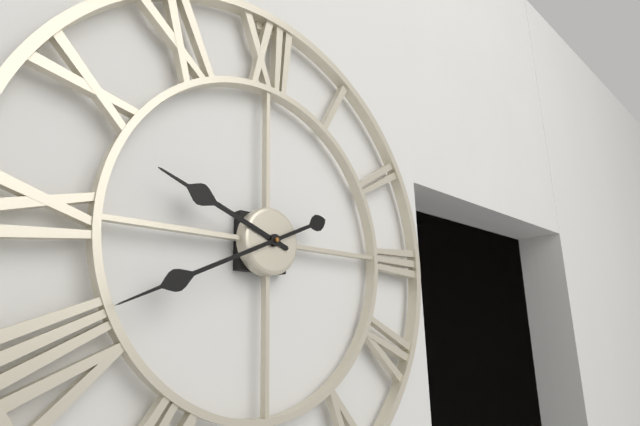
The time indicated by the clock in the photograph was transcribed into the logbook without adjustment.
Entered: 9:41
